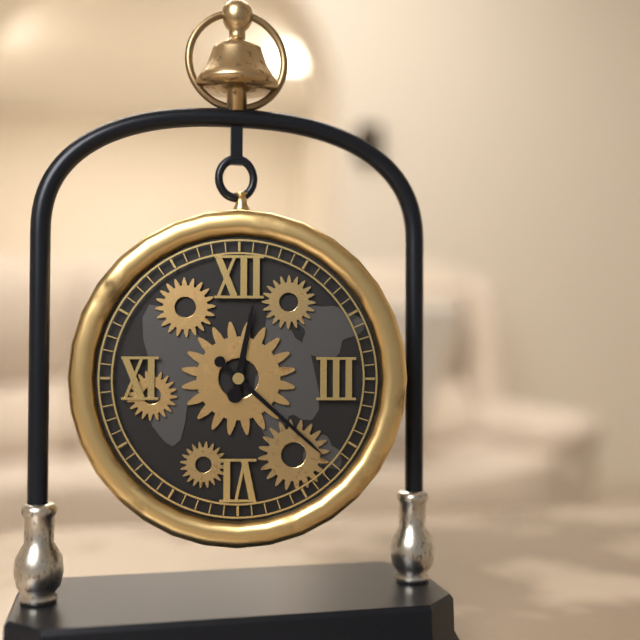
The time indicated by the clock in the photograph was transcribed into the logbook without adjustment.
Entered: 12:22
